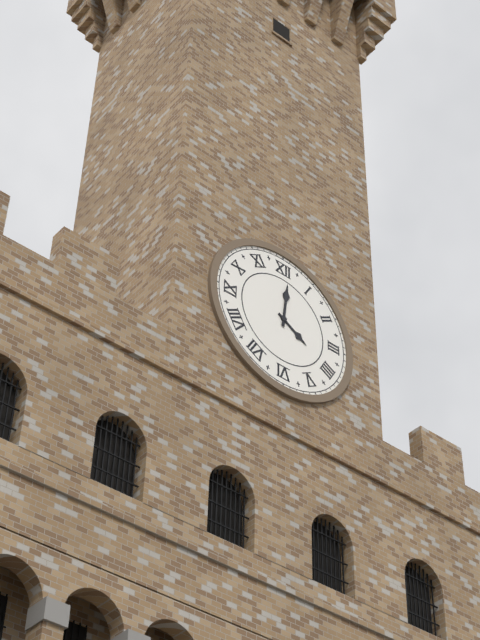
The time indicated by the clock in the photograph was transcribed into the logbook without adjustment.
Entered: 4:01
